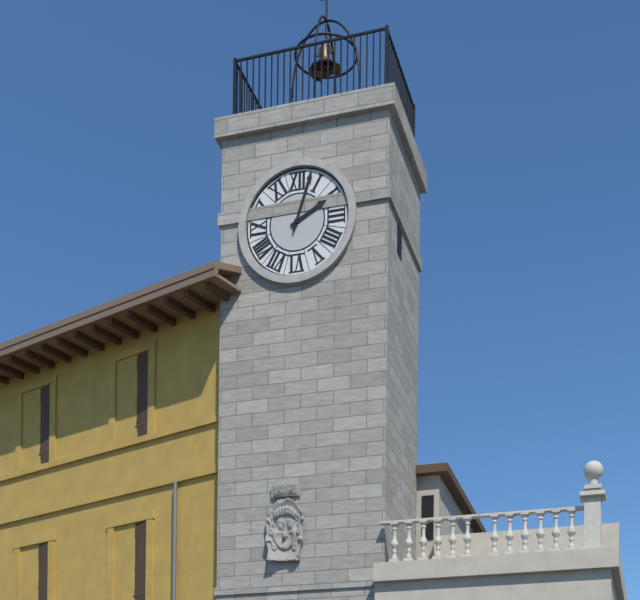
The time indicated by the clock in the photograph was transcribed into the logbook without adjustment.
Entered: 2:03
